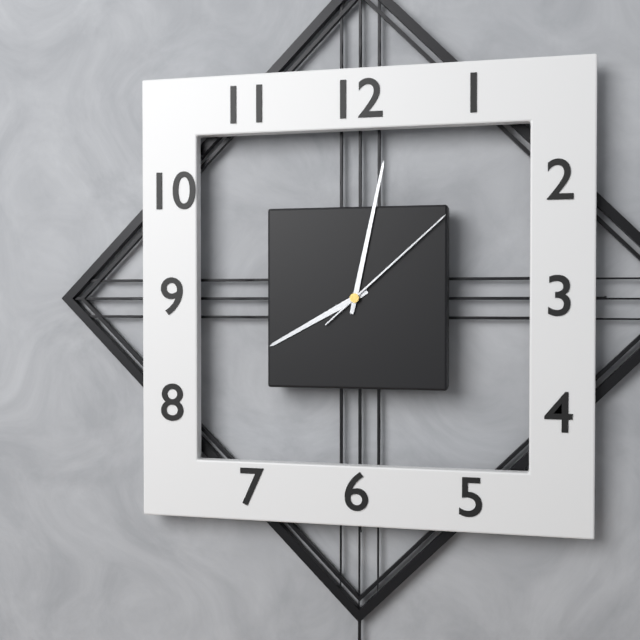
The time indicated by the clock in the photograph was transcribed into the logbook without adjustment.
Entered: 8:02:08
